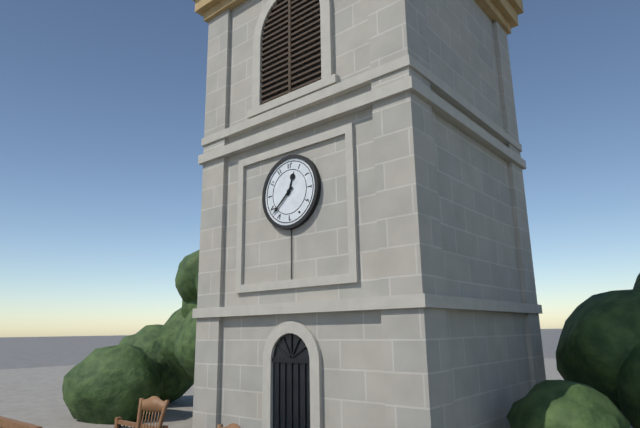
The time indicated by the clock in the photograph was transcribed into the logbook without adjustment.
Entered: 12:38
